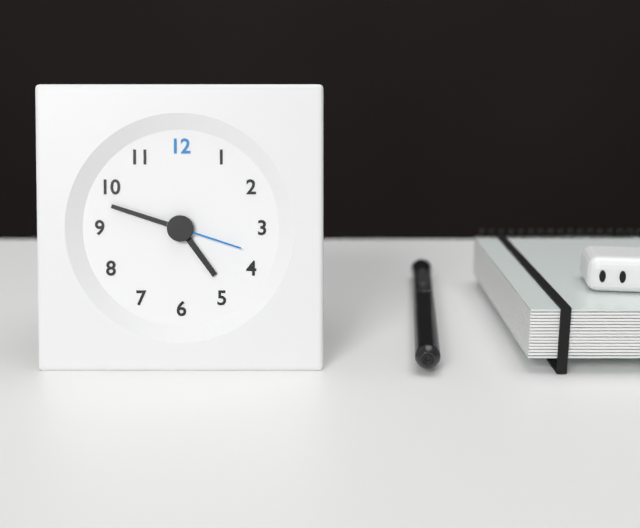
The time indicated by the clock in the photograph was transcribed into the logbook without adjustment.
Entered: 4:48:18
